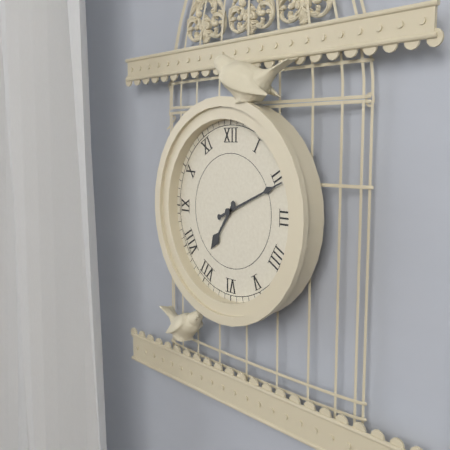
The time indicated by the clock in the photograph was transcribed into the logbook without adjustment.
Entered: 7:11
